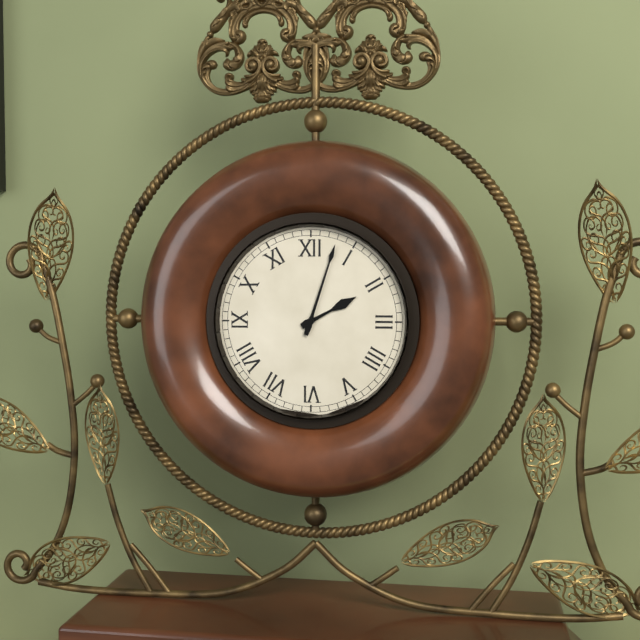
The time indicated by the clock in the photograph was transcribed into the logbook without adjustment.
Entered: 2:03
